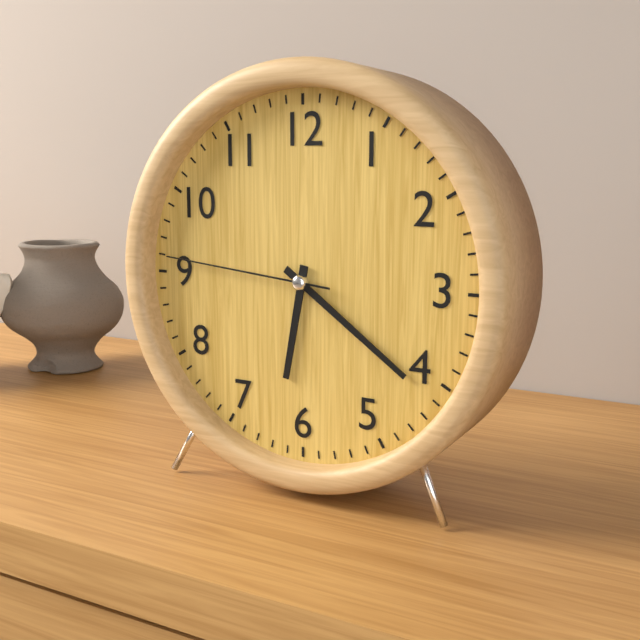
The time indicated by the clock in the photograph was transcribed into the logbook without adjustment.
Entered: 6:21:46
